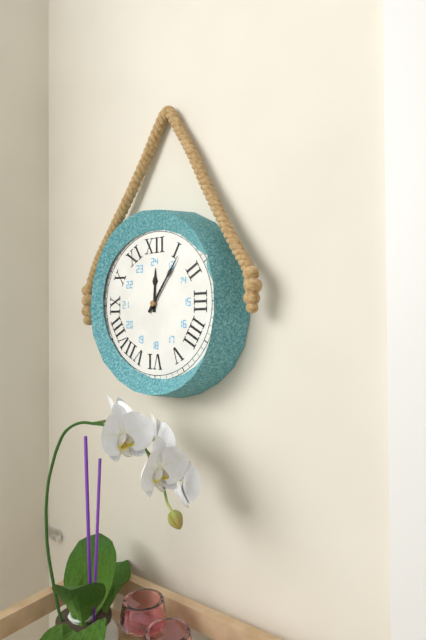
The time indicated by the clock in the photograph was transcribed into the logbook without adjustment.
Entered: 12:06
